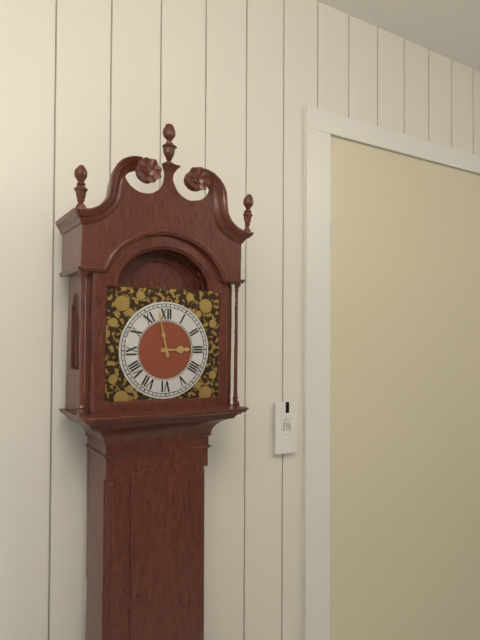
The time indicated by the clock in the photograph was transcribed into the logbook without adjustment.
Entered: 2:58
